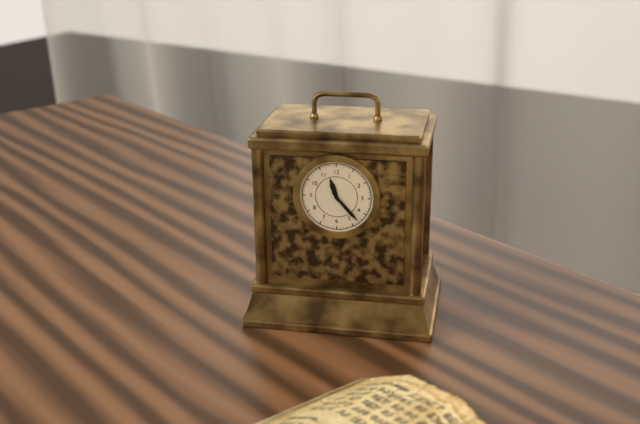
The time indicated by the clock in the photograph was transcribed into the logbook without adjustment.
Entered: 11:23
